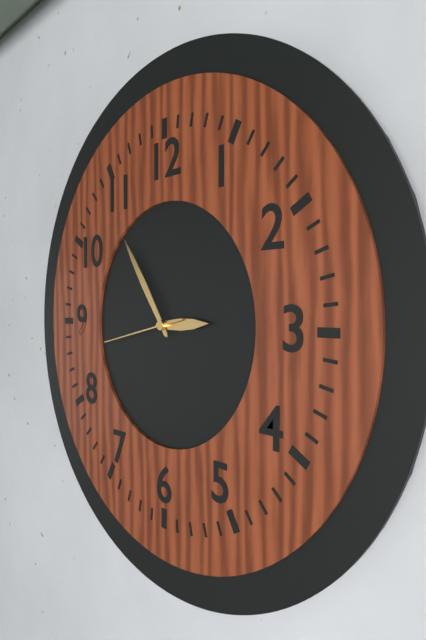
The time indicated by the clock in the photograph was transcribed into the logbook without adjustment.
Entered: 2:54:43
